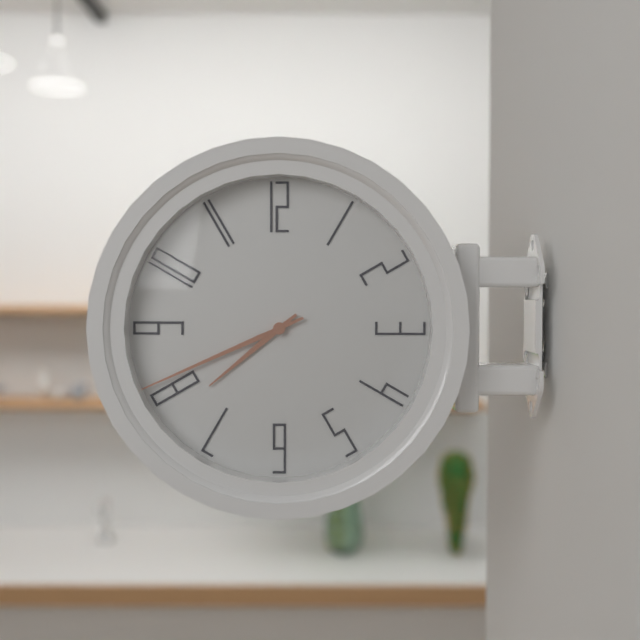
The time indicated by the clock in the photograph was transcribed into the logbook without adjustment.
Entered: 7:41
